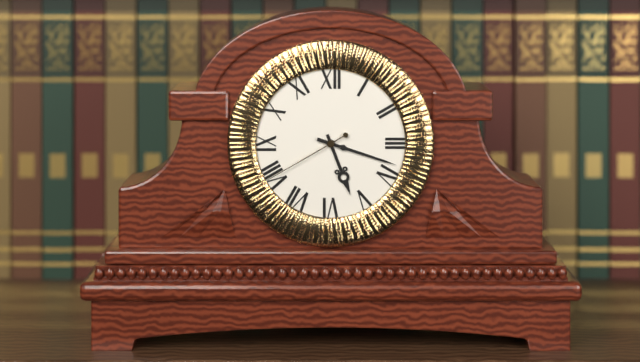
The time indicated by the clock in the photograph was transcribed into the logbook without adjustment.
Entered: 5:18:40
